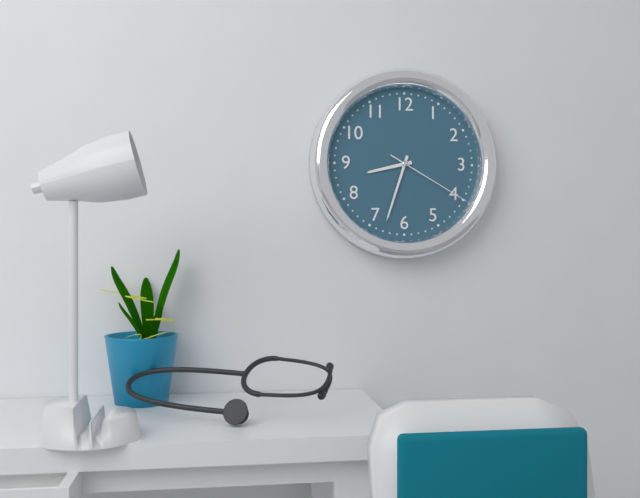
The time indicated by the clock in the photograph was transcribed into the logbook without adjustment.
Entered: 8:33:20
